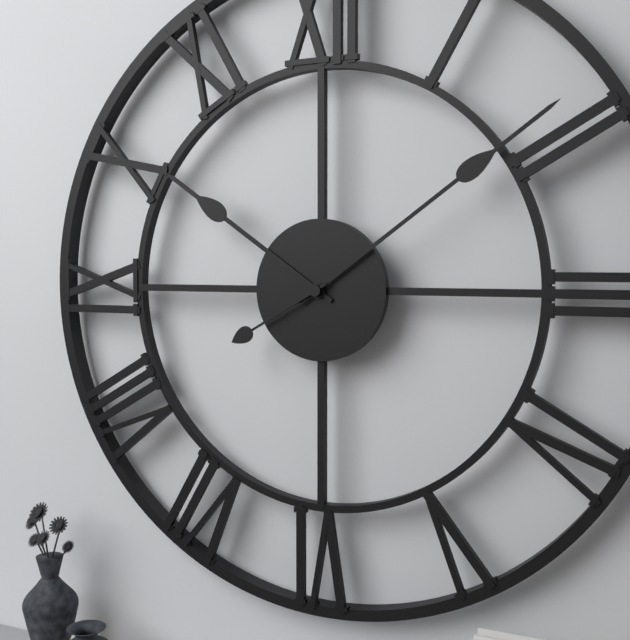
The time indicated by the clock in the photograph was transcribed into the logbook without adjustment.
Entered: 10:09:40
